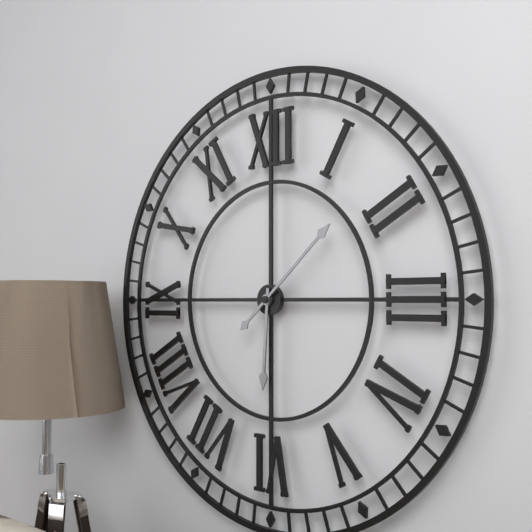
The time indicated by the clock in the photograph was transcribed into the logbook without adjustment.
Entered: 6:08
